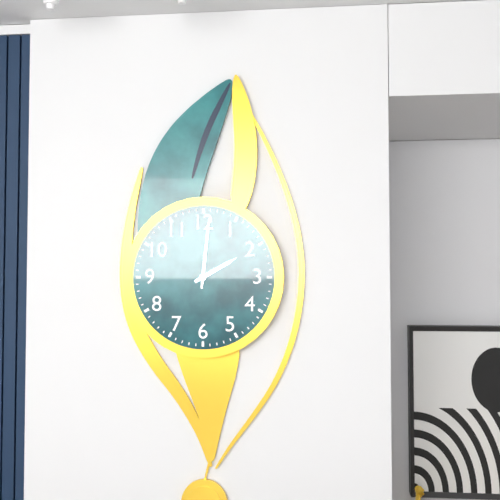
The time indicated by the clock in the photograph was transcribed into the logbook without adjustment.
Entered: 2:01
